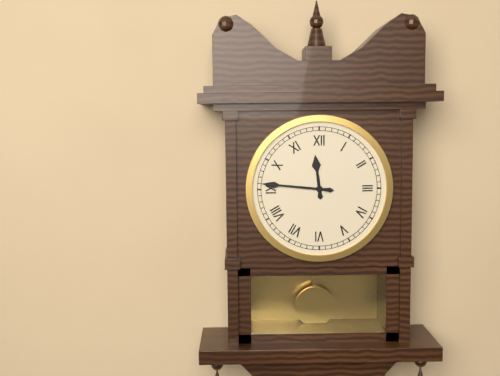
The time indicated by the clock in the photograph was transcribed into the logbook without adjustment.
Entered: 11:46
